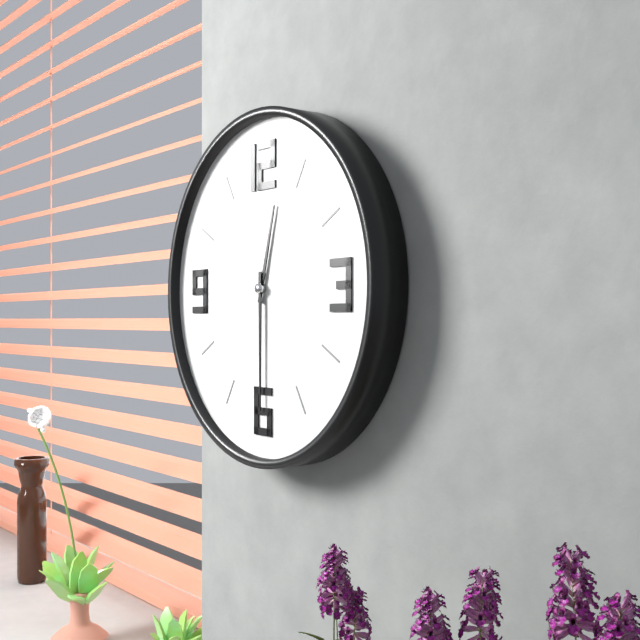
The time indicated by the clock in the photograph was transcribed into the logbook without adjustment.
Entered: 12:30
